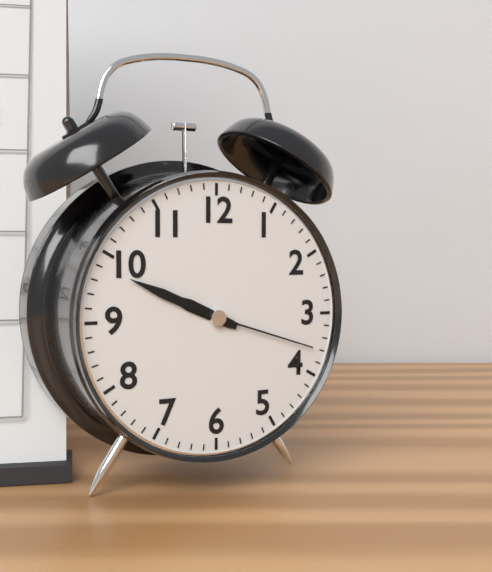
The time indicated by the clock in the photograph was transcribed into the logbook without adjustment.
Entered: 9:49:18
